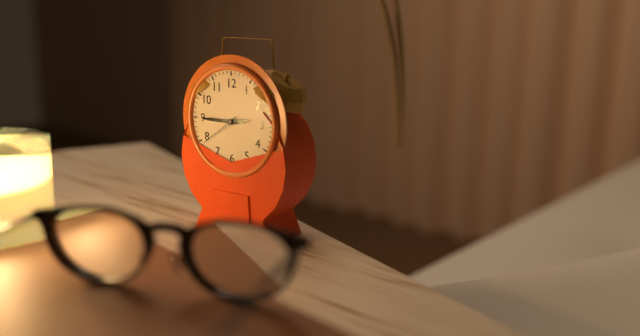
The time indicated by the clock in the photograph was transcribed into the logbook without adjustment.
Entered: 2:45
